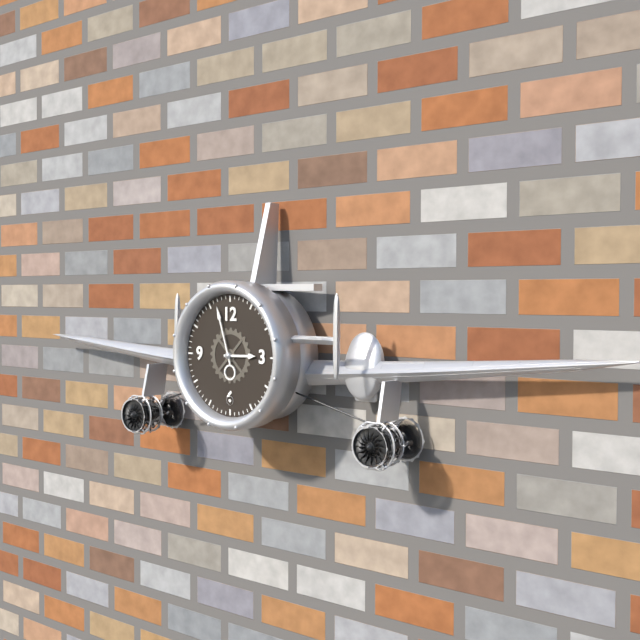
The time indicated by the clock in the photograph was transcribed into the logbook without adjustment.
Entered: 2:57
